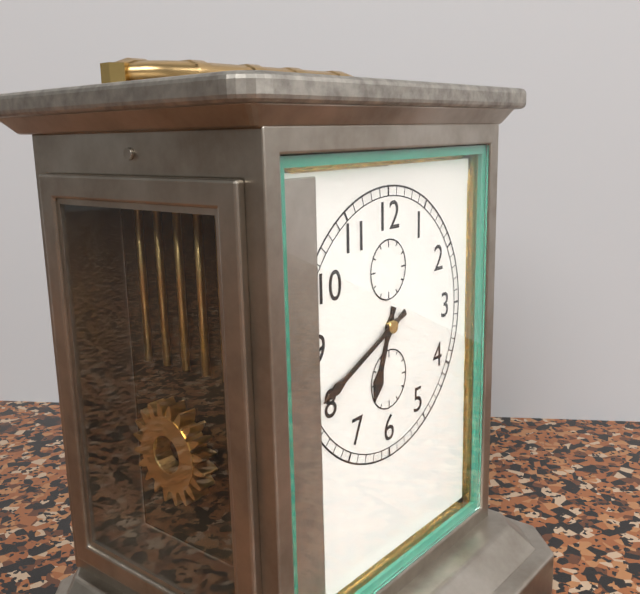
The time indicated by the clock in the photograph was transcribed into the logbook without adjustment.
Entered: 6:41
